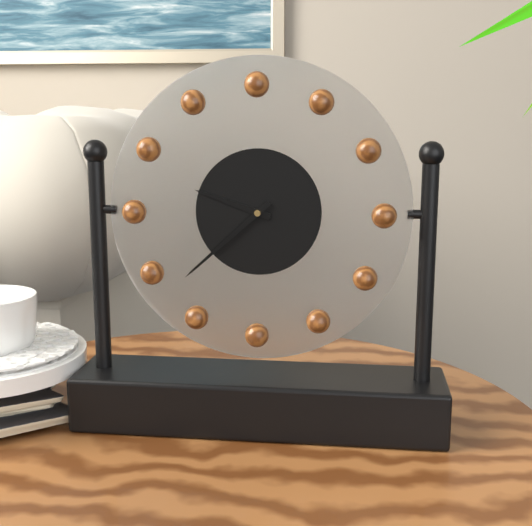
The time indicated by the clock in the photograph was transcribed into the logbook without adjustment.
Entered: 9:38
